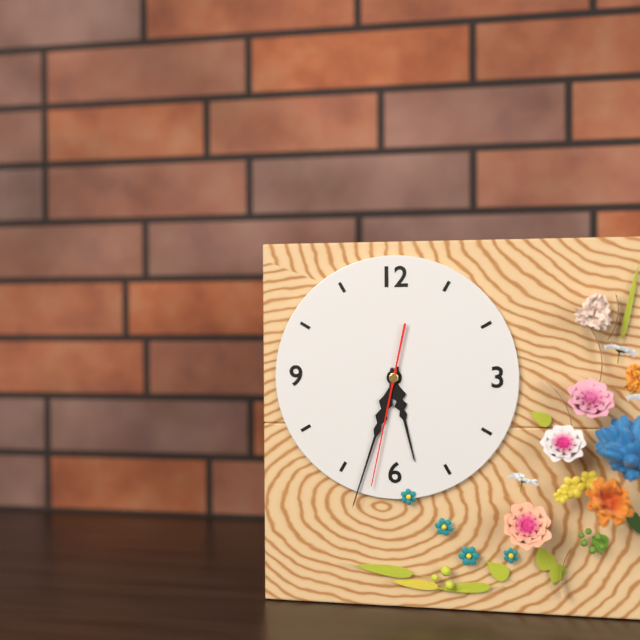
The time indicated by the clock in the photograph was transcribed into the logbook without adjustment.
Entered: 5:33:32
